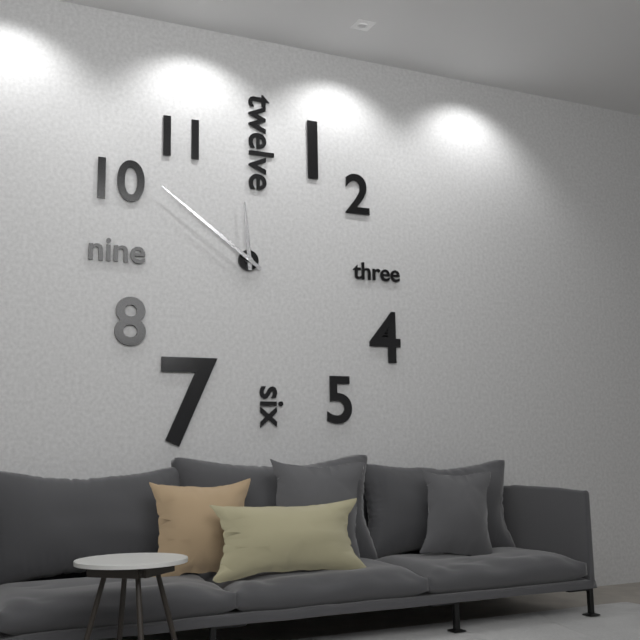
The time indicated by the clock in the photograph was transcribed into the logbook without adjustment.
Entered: 11:51
